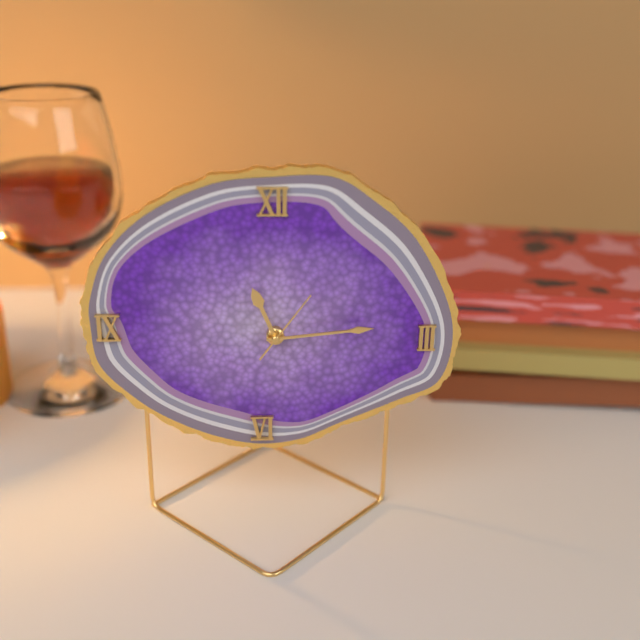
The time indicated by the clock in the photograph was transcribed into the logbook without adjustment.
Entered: 11:14:06
